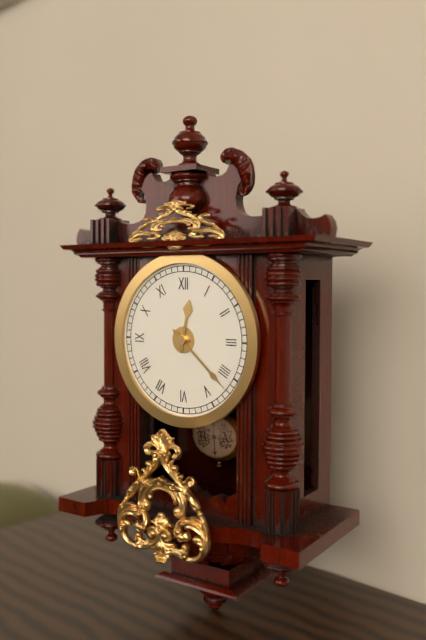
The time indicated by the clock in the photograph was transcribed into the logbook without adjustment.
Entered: 12:22
